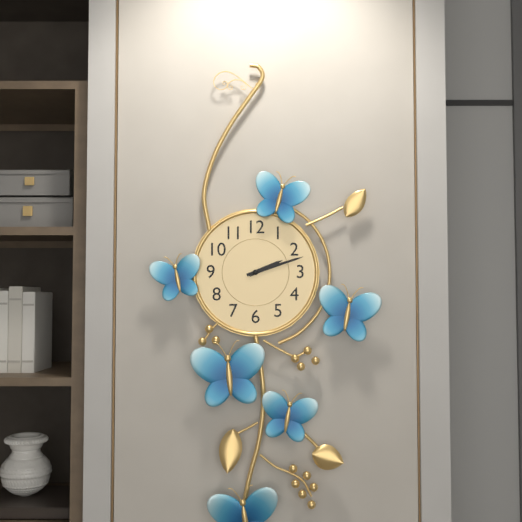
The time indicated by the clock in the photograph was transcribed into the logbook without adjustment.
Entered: 2:12
